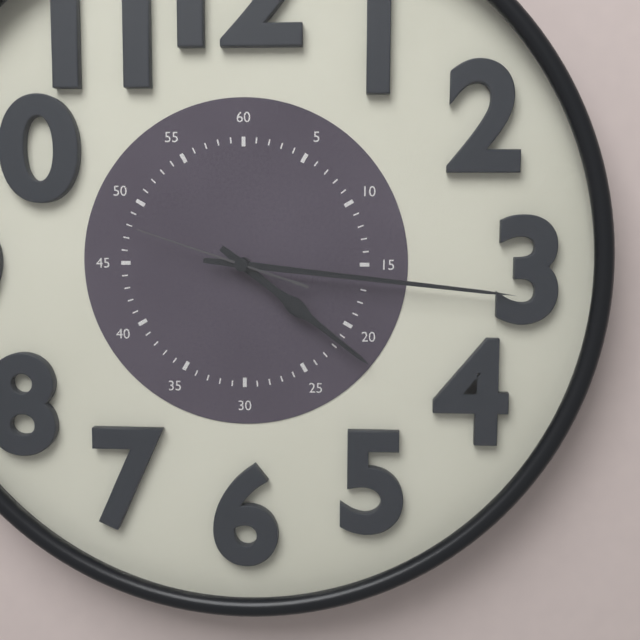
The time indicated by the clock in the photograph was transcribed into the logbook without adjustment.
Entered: 4:16:48
